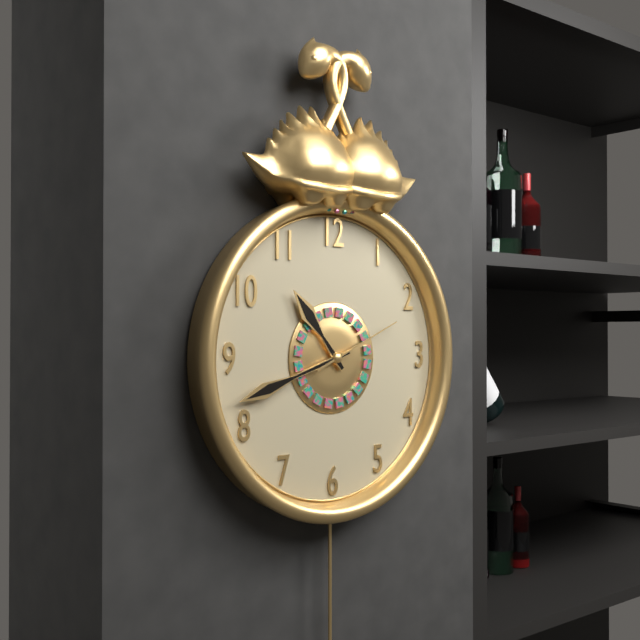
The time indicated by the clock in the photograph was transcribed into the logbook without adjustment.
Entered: 10:42:11
